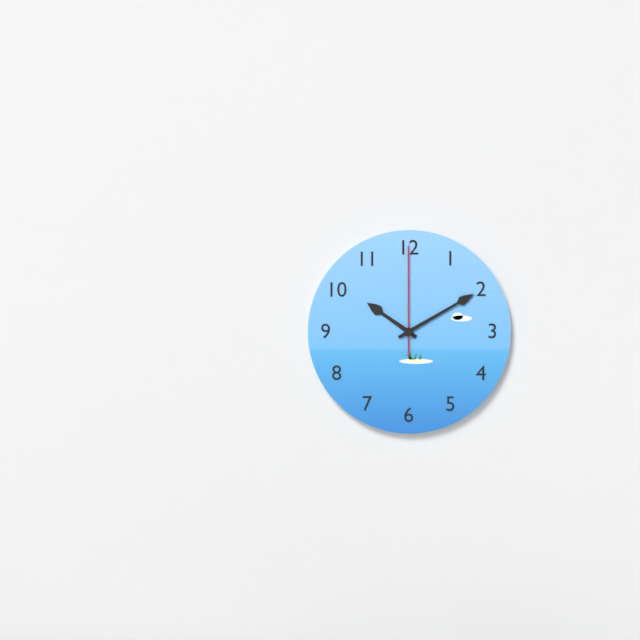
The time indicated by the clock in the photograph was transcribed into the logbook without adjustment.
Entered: 10:10:00
